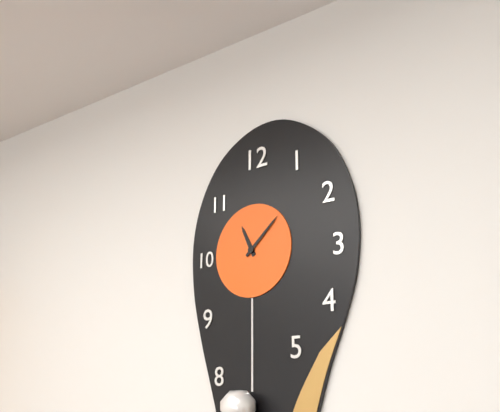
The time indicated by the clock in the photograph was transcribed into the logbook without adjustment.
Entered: 11:08
